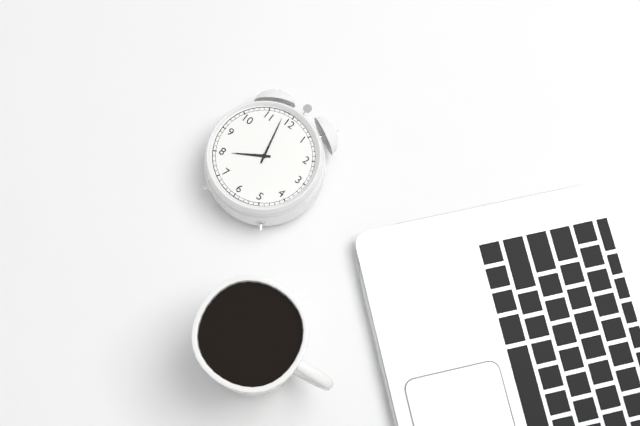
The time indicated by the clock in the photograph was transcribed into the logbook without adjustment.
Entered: 7:58
